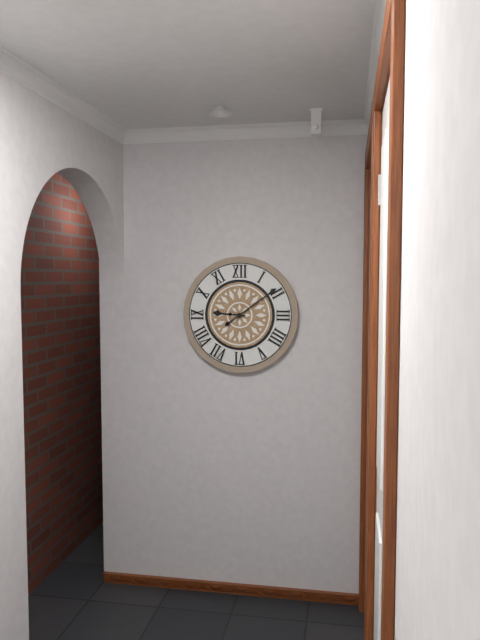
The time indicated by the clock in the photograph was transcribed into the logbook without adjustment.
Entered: 9:09
